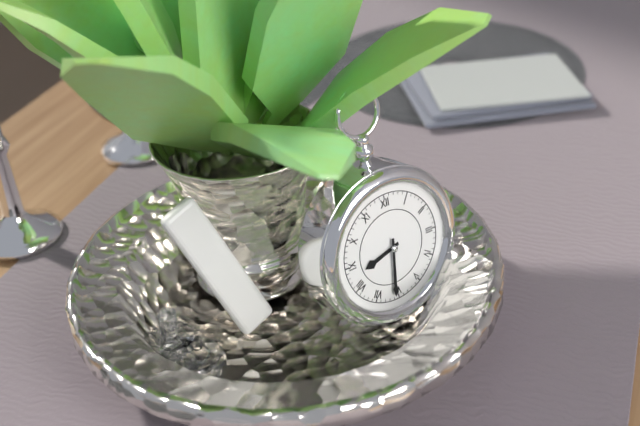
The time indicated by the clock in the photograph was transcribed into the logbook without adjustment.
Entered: 8:31
